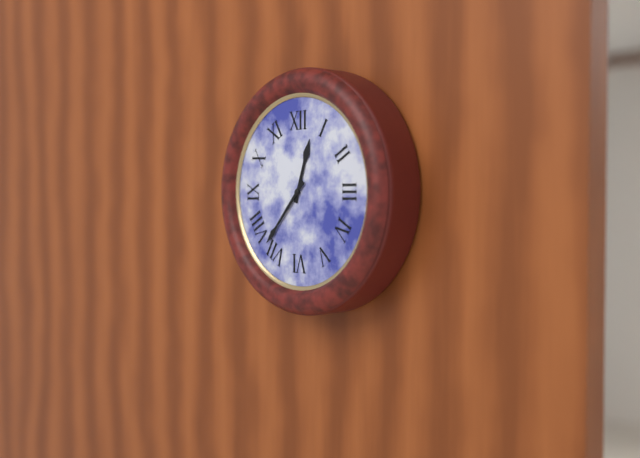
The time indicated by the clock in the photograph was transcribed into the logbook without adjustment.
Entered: 12:37
